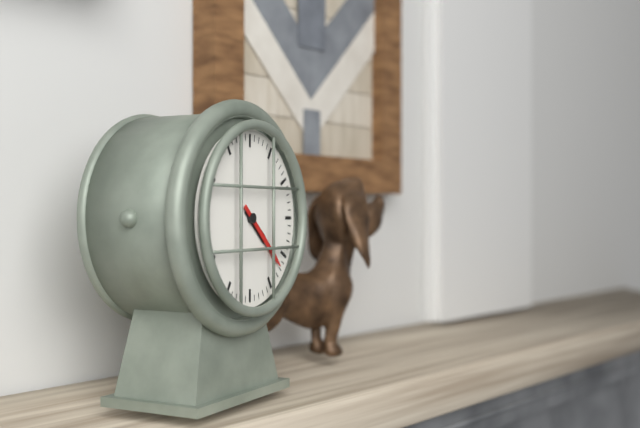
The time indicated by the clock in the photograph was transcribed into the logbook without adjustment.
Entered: 4:22
